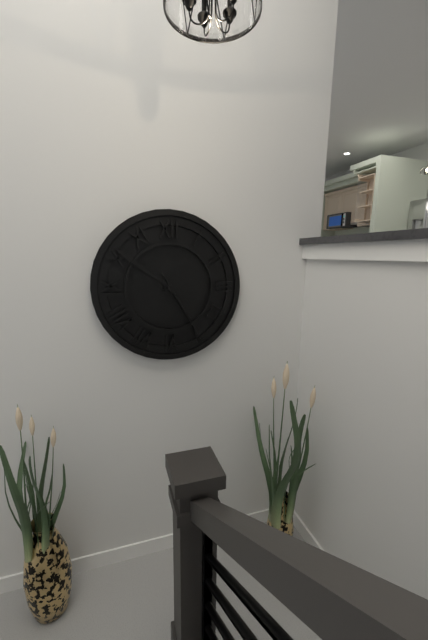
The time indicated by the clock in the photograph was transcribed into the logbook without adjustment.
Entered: 4:51:25
